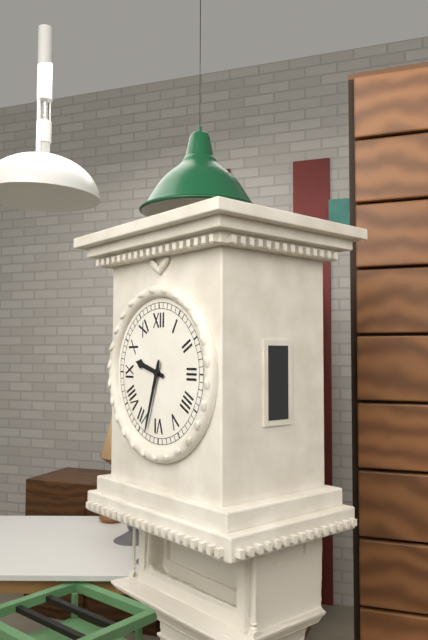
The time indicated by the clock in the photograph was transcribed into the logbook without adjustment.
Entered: 9:33
